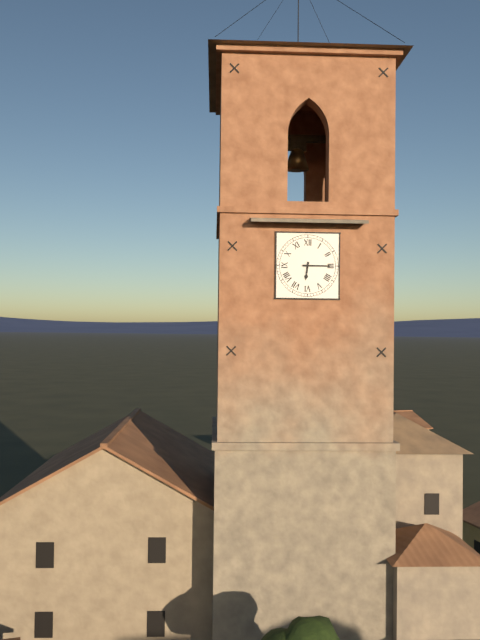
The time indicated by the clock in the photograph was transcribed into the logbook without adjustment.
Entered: 6:15
